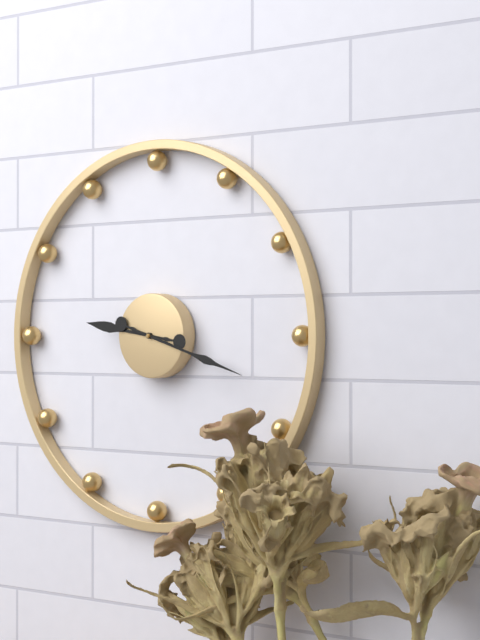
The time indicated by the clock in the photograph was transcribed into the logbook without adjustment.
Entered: 9:18
